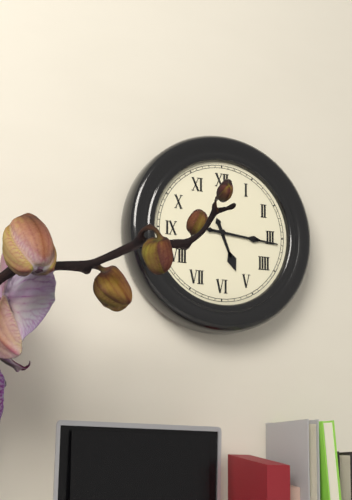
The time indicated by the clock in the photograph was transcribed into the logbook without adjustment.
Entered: 5:16
